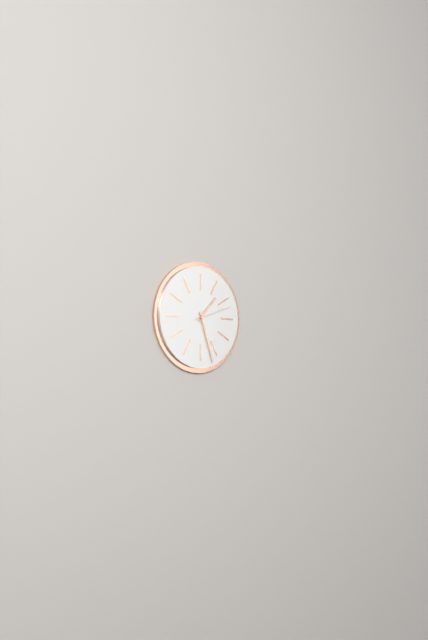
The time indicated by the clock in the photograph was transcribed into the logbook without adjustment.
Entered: 1:27
